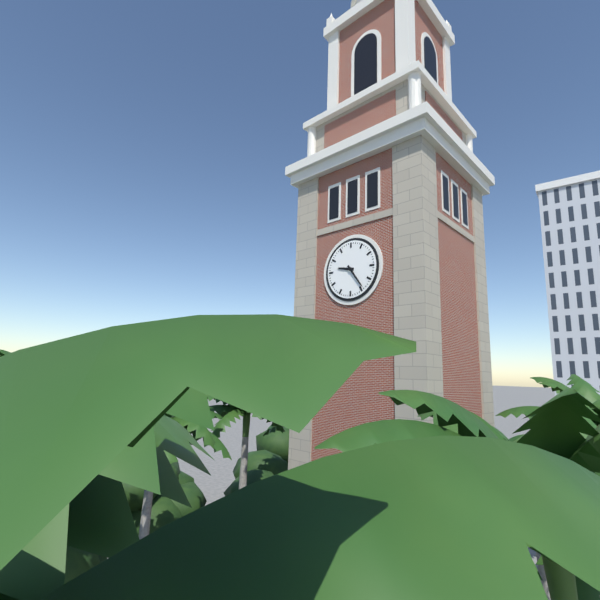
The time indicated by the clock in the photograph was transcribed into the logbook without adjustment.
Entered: 9:24
